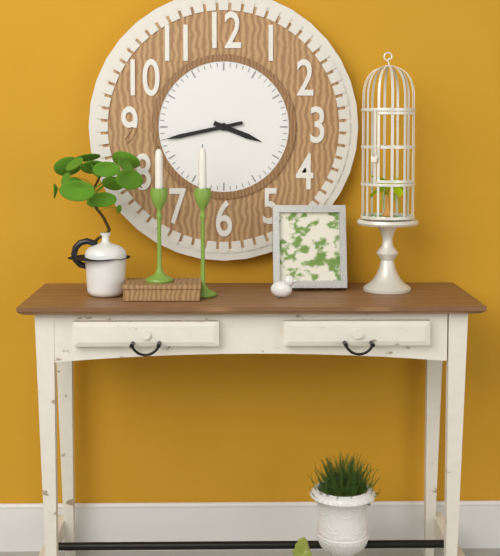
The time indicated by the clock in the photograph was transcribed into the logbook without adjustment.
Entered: 3:43
